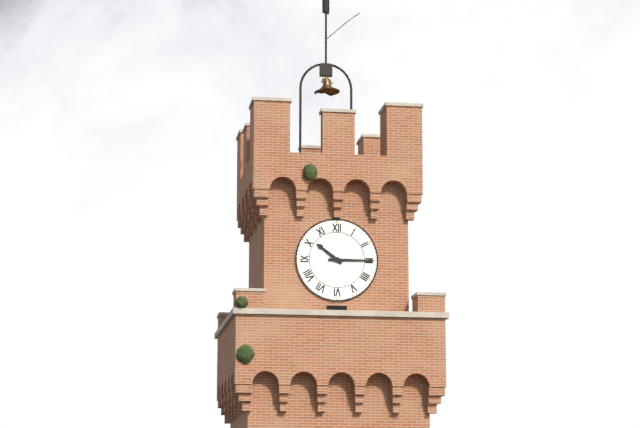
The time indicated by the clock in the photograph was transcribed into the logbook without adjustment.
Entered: 10:15
